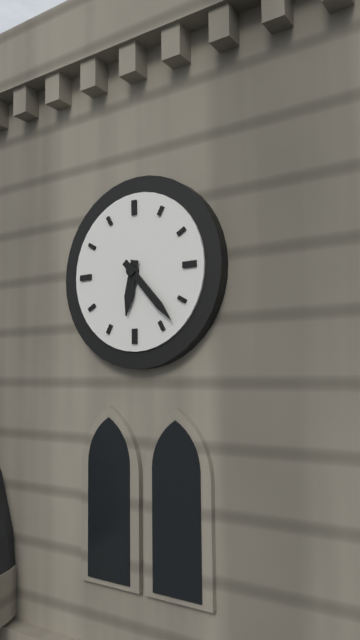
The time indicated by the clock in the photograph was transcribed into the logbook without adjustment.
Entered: 6:23
